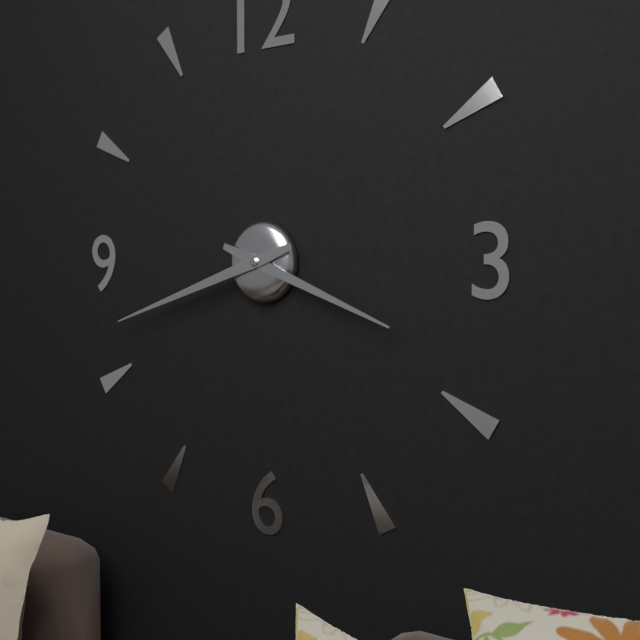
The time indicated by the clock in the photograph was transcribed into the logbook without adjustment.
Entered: 3:42
